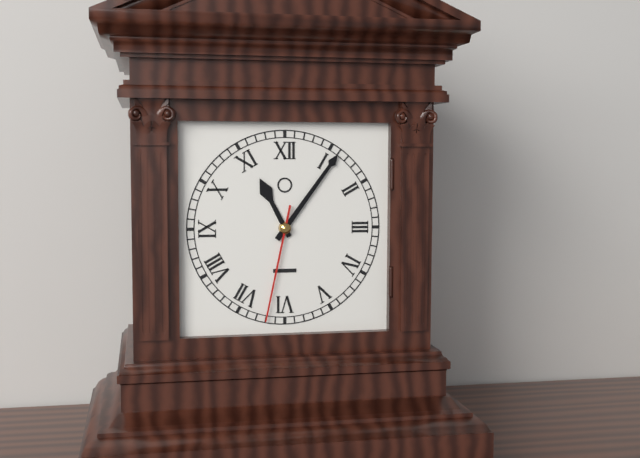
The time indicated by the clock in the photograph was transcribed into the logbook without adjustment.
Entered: 11:06:32
